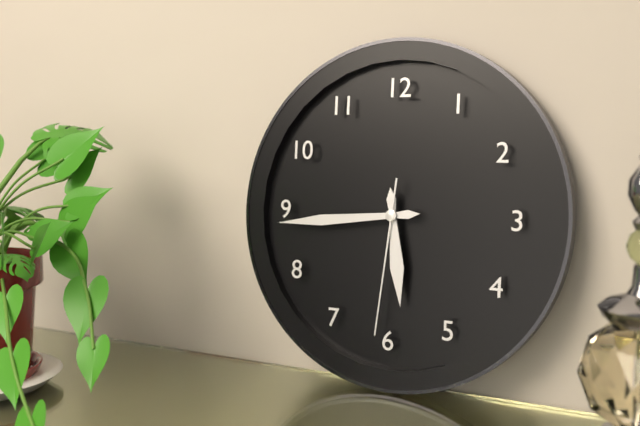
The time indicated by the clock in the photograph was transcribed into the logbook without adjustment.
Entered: 5:44:31
